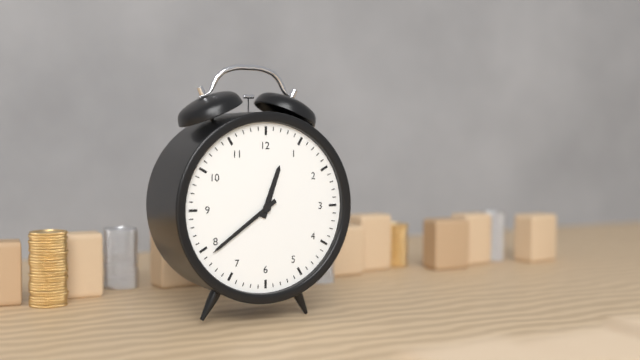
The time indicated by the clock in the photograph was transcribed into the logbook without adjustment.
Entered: 12:39
